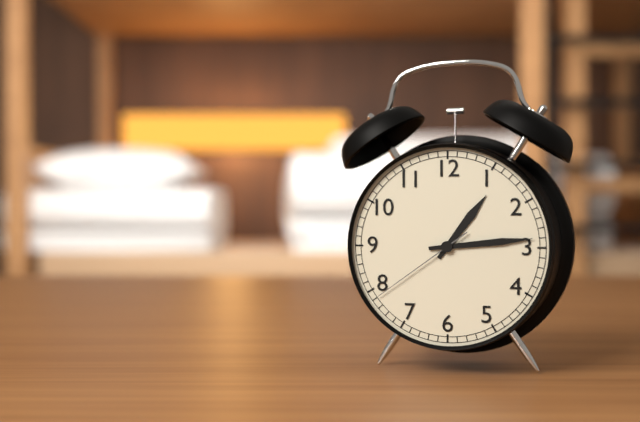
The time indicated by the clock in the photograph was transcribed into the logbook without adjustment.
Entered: 1:14:39
